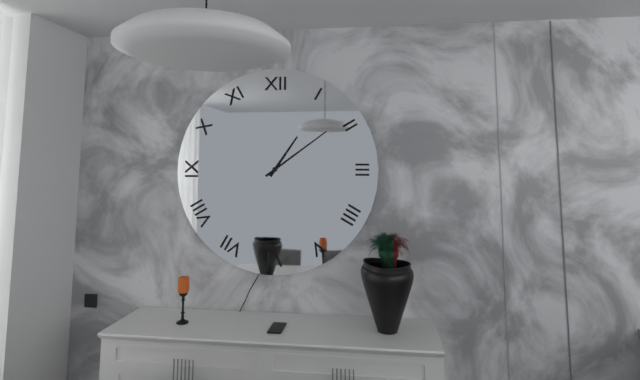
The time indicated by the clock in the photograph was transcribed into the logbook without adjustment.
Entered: 1:09
